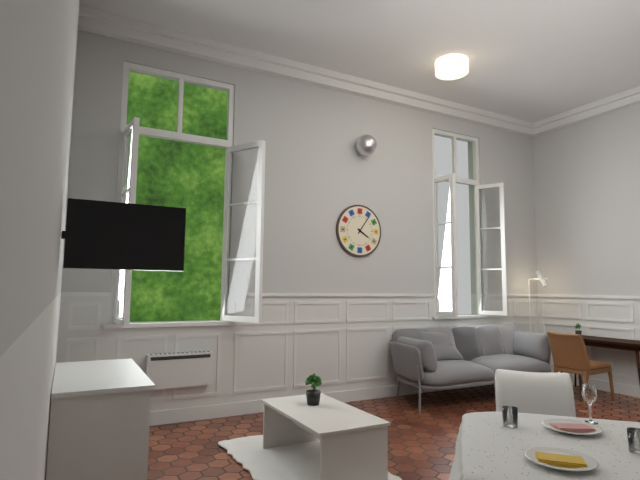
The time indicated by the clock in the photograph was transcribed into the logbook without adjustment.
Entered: 4:06
